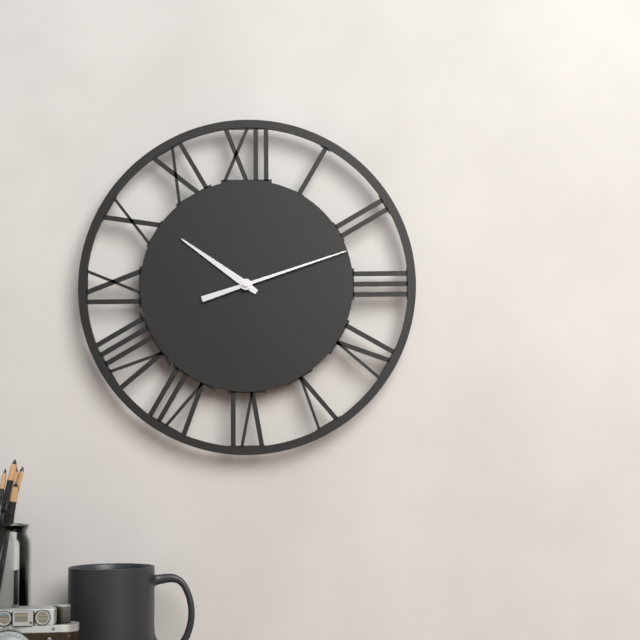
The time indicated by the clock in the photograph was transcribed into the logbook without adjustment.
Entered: 10:12
